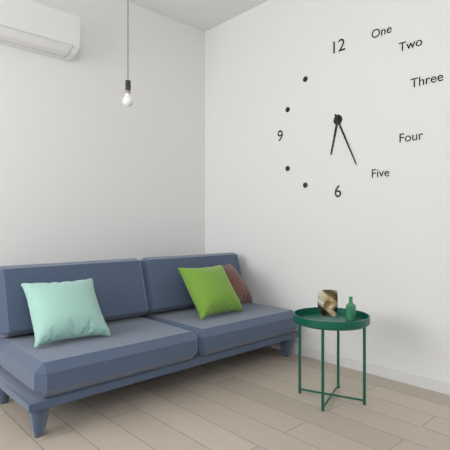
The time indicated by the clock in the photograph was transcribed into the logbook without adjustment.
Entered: 6:26
